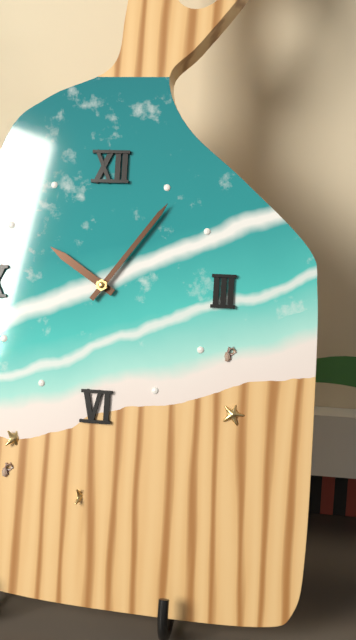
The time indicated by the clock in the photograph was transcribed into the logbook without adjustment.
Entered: 10:06
